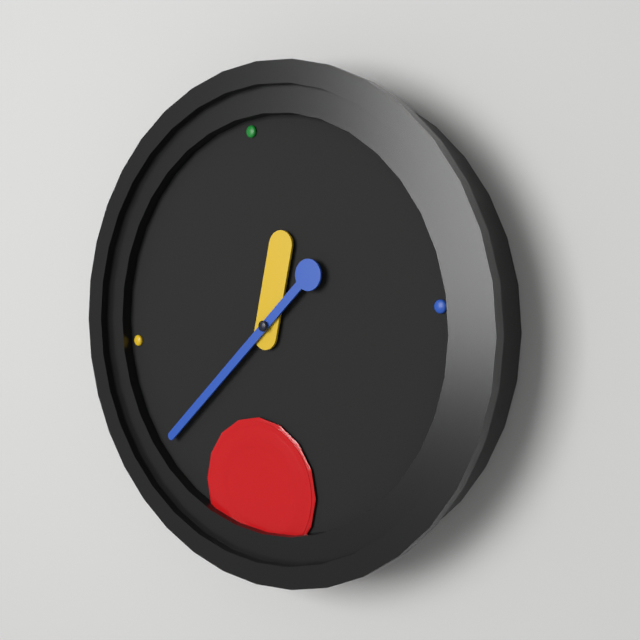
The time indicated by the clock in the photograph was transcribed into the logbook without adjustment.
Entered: 12:39
